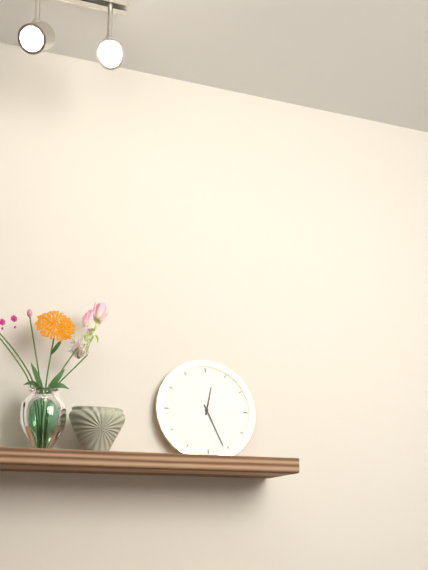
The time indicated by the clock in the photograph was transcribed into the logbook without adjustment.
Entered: 12:26
